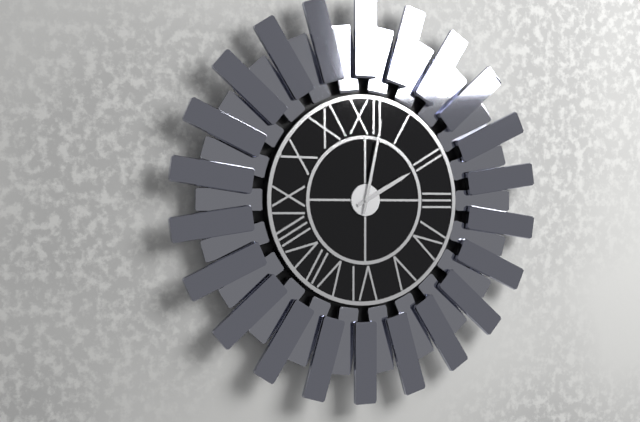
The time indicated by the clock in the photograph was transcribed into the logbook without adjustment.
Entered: 2:02
